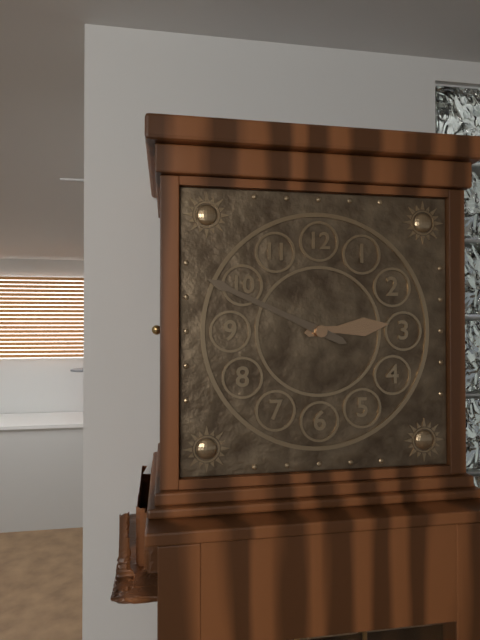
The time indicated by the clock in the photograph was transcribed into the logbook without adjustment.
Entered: 2:49
